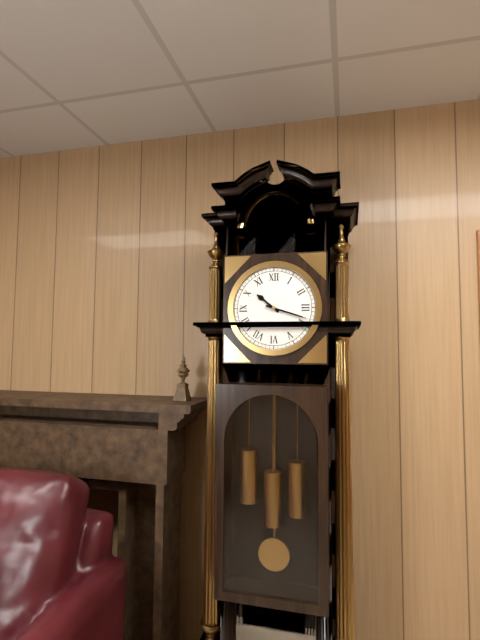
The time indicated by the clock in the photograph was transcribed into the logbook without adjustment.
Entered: 10:18
